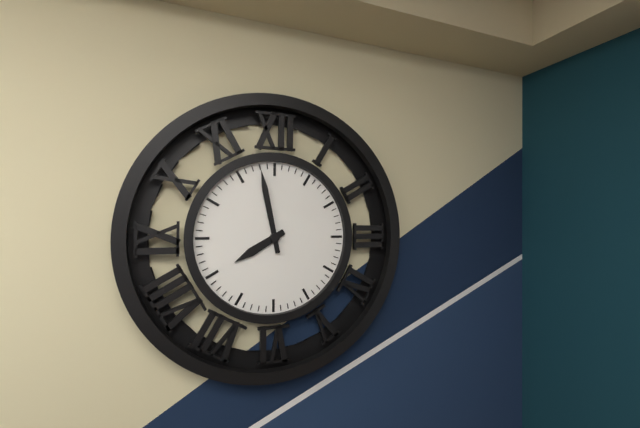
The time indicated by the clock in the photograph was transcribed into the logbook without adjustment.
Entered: 7:58
